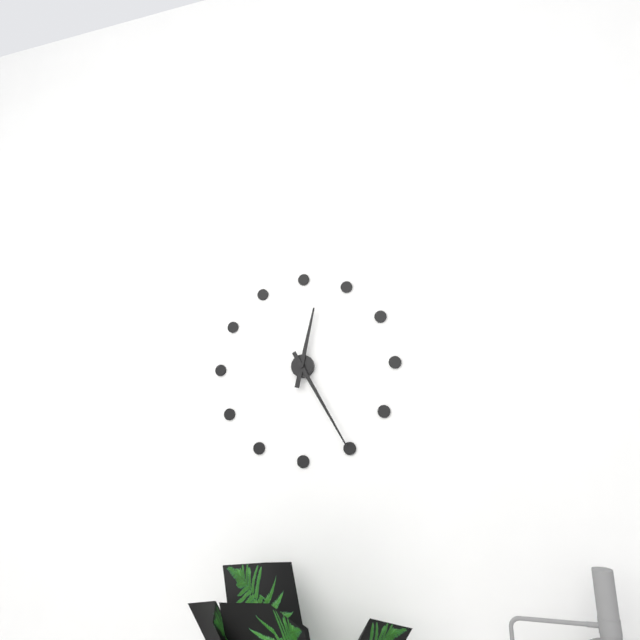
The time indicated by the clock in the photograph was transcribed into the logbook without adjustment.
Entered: 12:25
